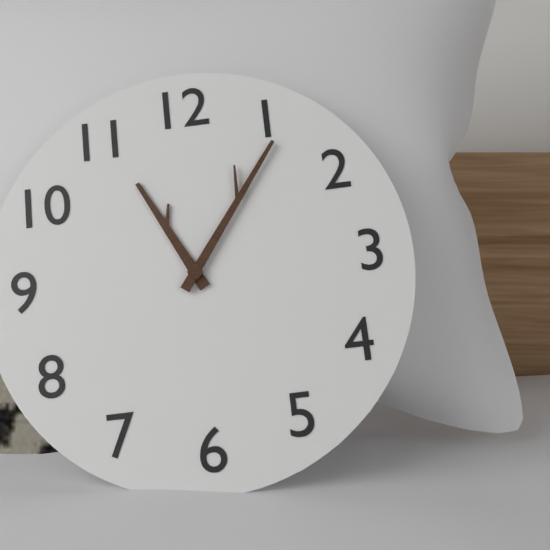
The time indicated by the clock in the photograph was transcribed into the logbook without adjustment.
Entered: 11:06
